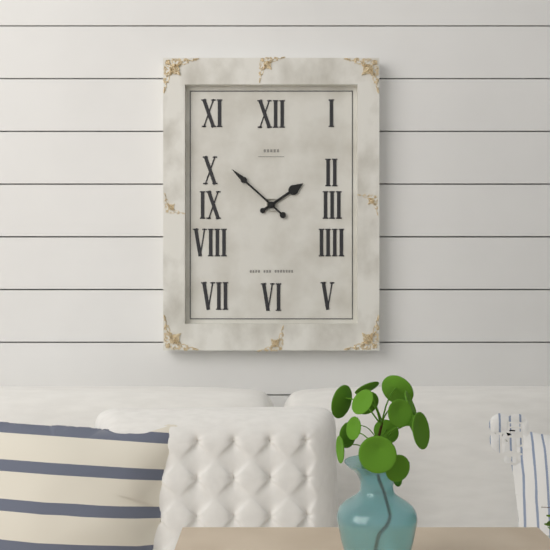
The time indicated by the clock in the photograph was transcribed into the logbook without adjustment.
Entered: 1:52
